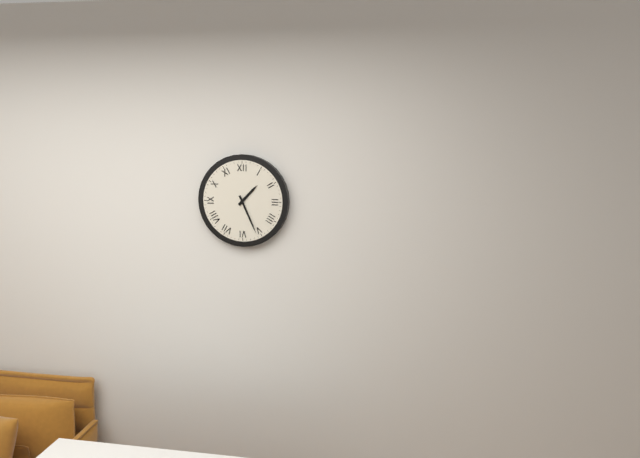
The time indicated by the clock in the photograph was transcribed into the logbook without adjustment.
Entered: 1:26
